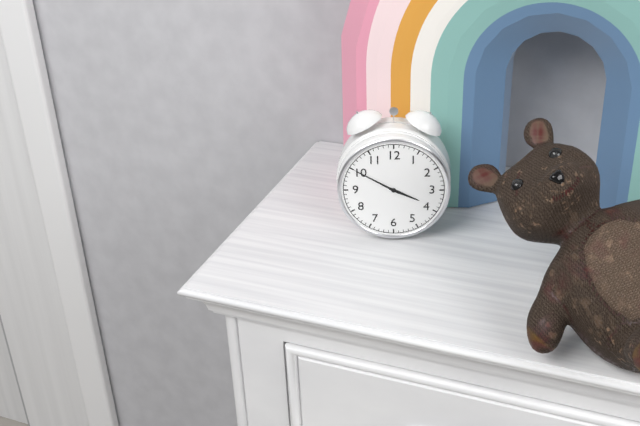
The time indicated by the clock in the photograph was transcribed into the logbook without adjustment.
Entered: 3:50
